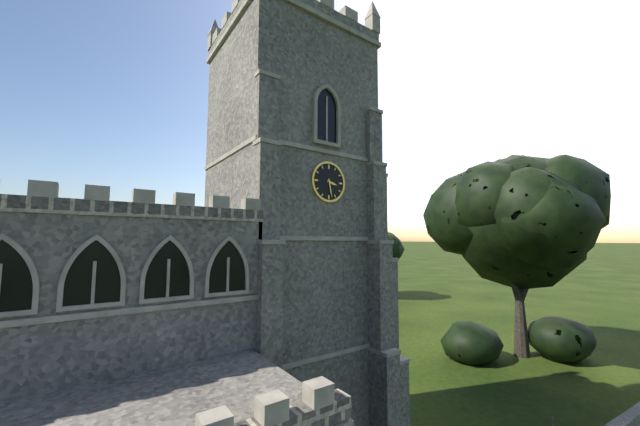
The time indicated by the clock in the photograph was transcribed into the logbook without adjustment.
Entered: 3:28
